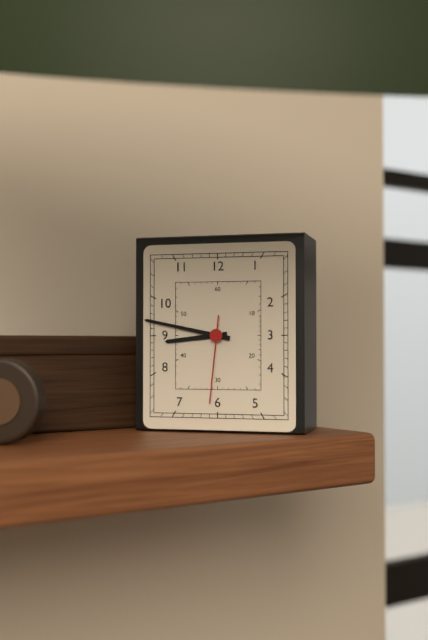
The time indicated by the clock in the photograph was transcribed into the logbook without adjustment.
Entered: 8:47:31
